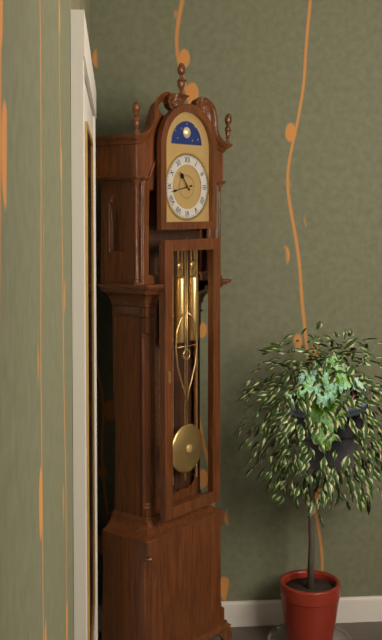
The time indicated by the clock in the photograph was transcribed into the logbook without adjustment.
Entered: 10:43
